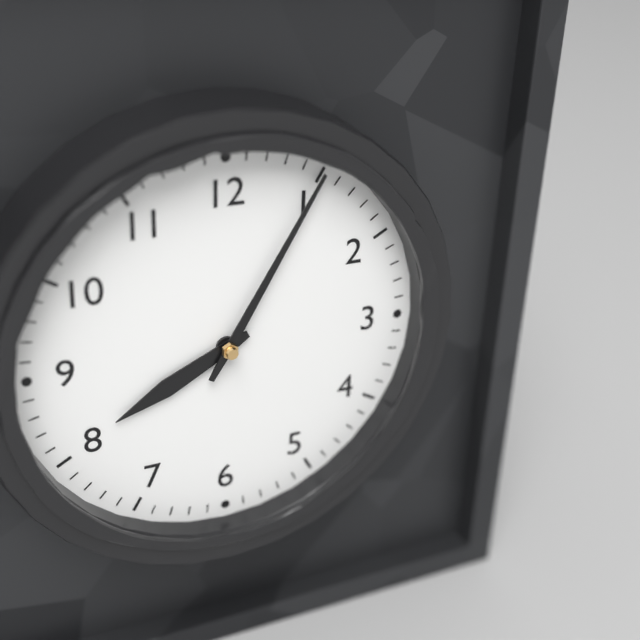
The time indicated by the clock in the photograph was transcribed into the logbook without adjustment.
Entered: 8:05
